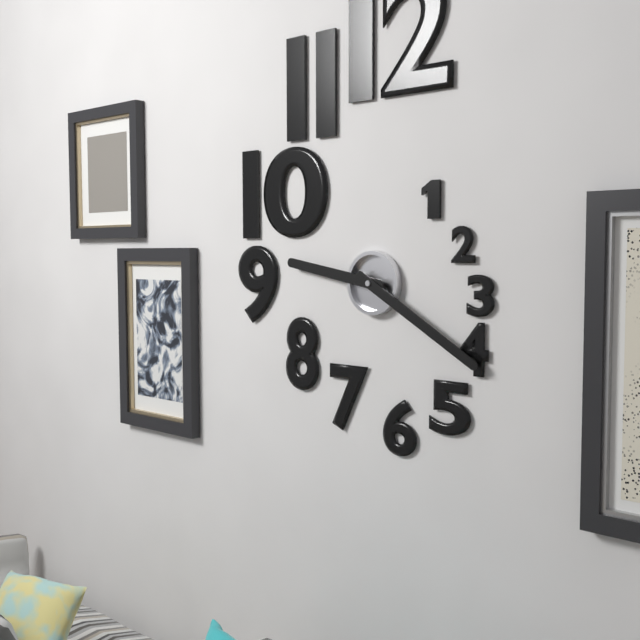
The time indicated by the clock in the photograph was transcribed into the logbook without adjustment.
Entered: 9:20
